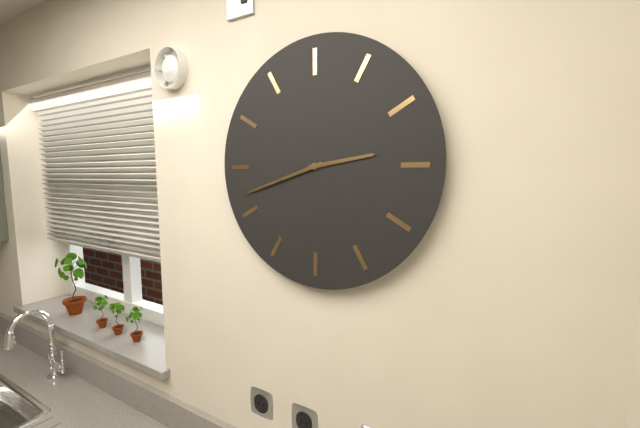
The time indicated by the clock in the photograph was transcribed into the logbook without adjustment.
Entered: 2:42
